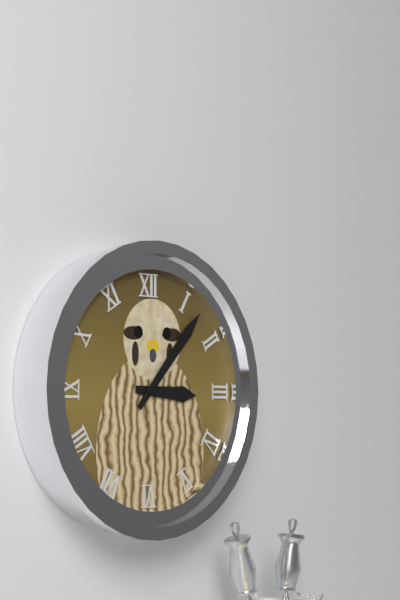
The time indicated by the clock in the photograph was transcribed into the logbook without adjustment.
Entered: 3:07
